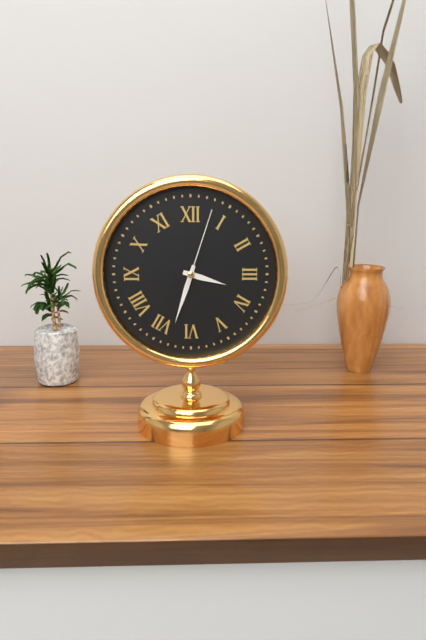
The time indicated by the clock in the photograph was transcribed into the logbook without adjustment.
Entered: 3:33:03
